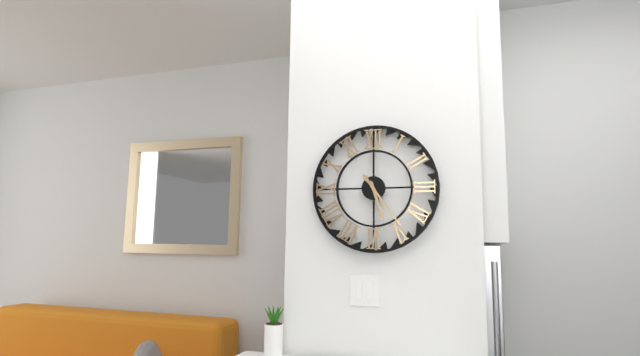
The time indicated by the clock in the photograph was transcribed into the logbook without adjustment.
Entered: 5:24
